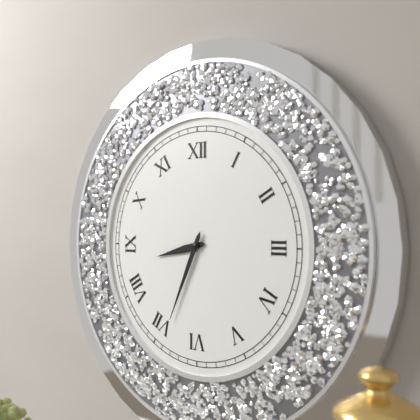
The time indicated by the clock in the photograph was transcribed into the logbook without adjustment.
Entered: 8:34
